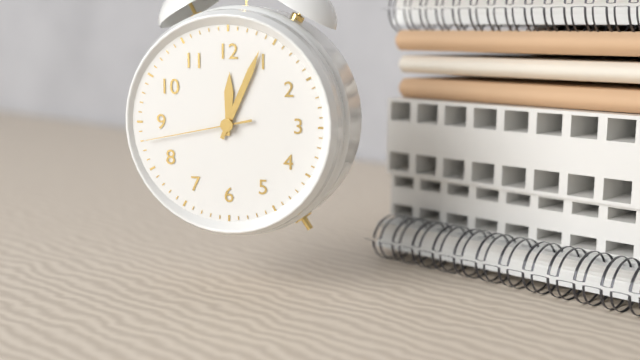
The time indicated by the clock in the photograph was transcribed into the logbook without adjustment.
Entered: 12:04:43
